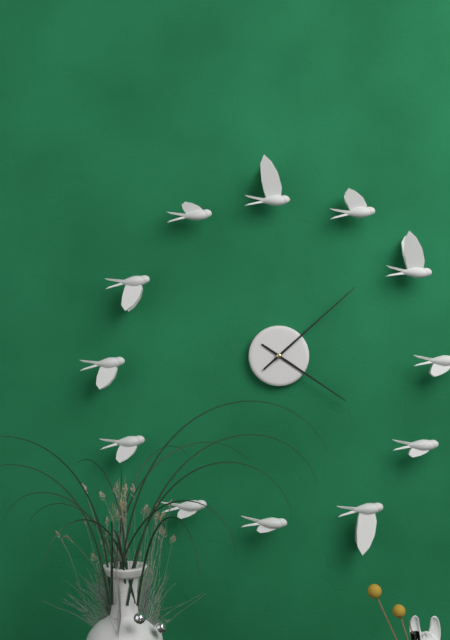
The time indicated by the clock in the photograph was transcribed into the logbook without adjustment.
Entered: 4:08
